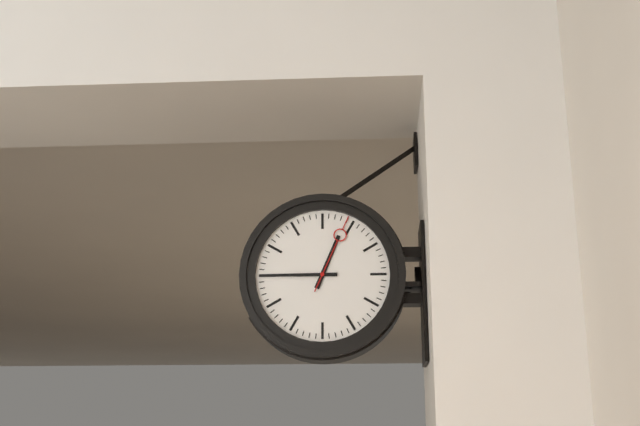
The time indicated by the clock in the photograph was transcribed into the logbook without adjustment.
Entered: 12:45:04
